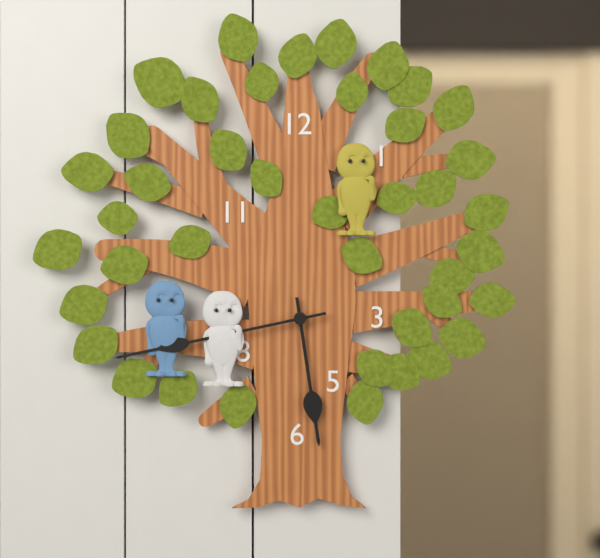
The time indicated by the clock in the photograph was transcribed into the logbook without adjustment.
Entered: 5:43
